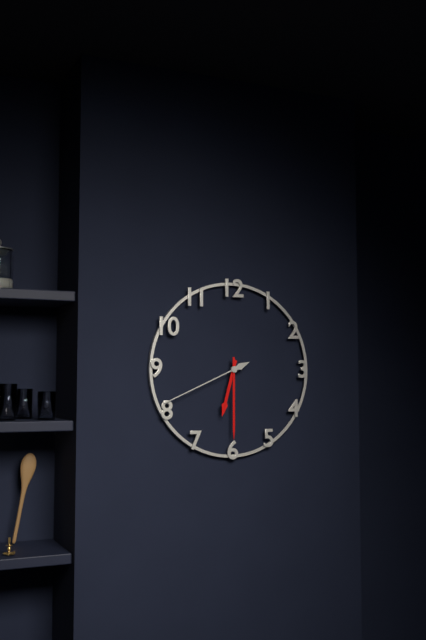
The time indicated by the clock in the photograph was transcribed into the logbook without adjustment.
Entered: 6:30:41
